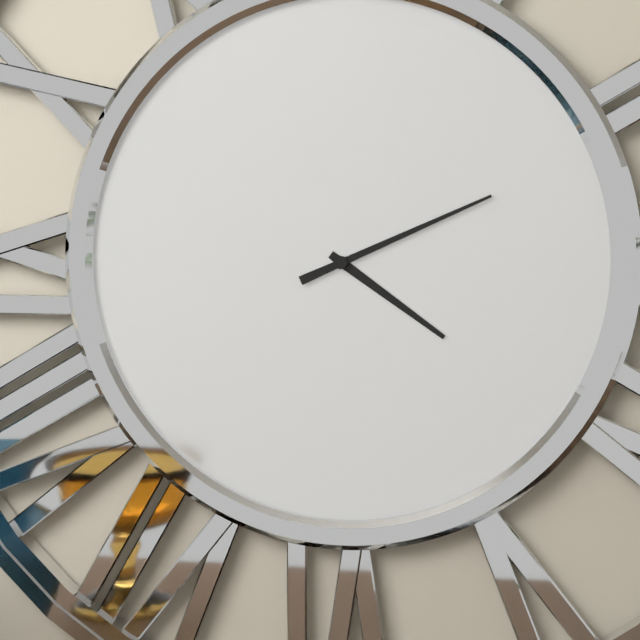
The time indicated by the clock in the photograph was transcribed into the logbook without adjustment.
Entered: 4:11
